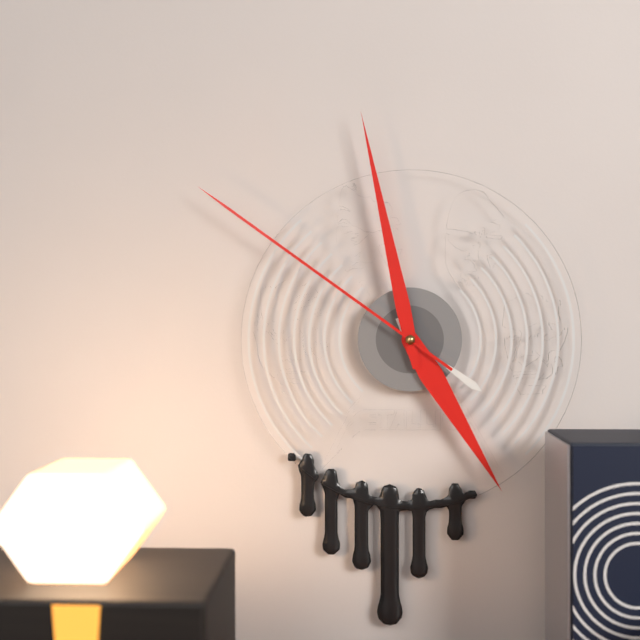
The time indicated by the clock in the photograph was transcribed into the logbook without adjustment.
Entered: 4:58:51
